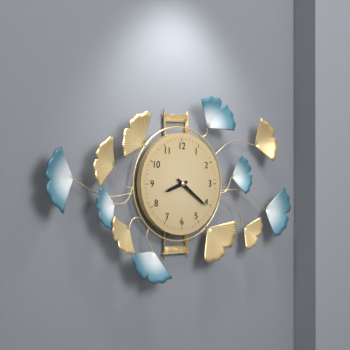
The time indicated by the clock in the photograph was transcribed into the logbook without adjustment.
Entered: 8:21
